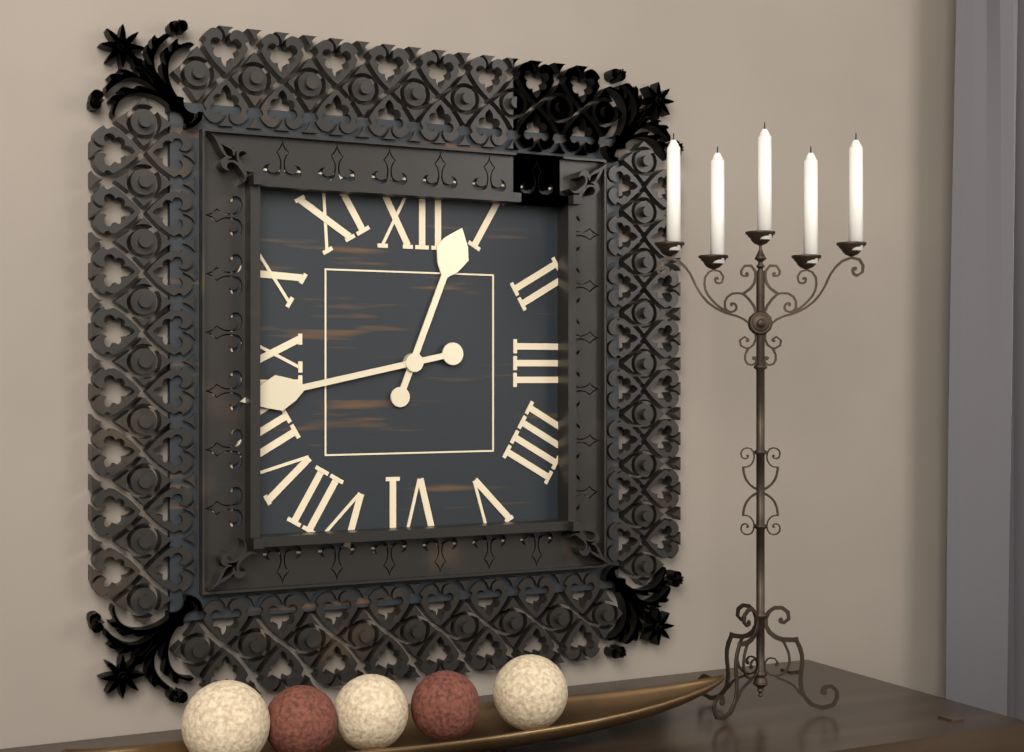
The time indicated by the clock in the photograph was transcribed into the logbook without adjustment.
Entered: 12:43
